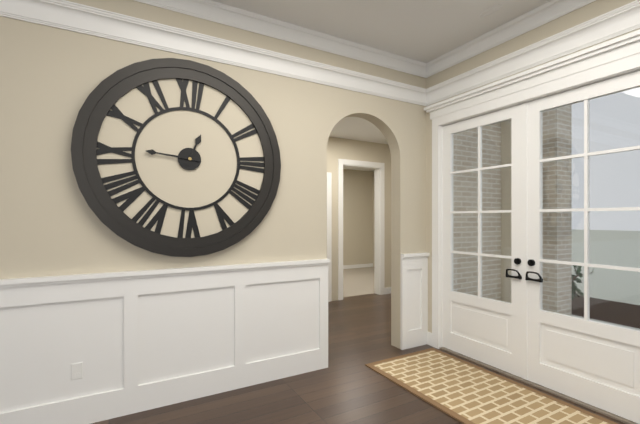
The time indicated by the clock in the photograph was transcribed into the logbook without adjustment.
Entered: 12:46
